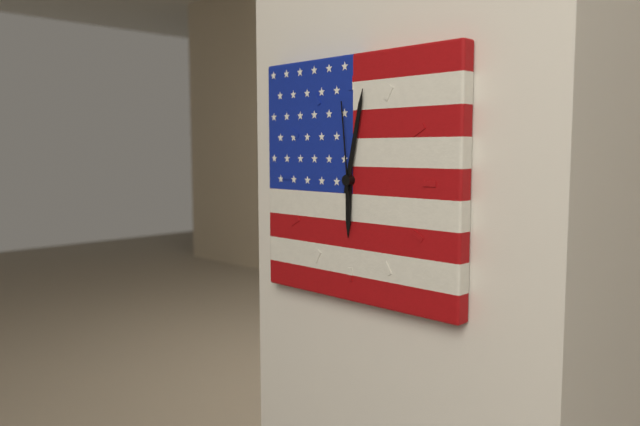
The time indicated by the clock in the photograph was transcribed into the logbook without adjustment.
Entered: 6:02:59
